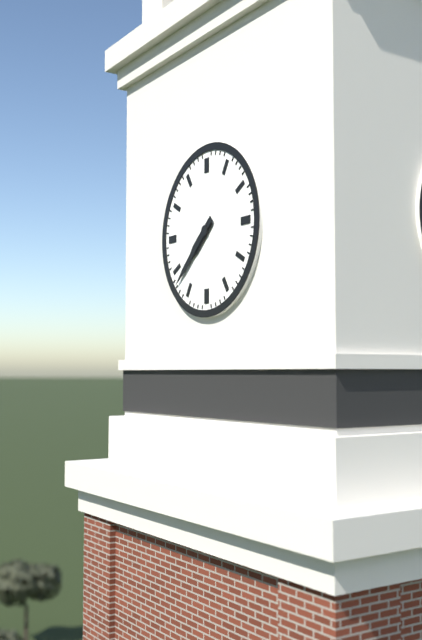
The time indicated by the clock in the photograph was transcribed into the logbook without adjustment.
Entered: 7:38
